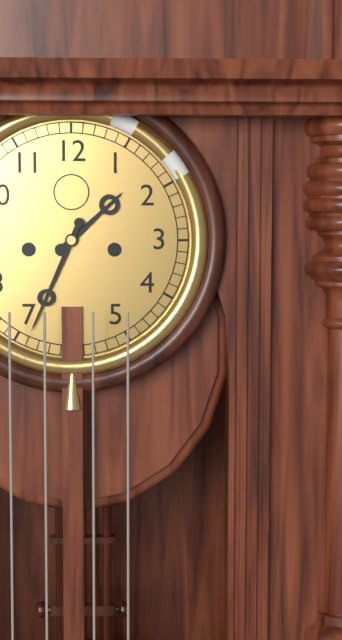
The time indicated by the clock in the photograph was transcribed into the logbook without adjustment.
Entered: 1:34
